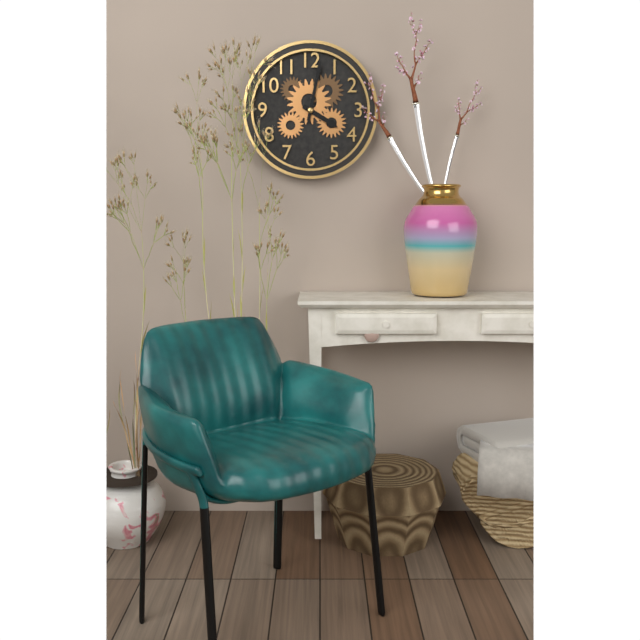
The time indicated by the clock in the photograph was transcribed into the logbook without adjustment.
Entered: 4:02
